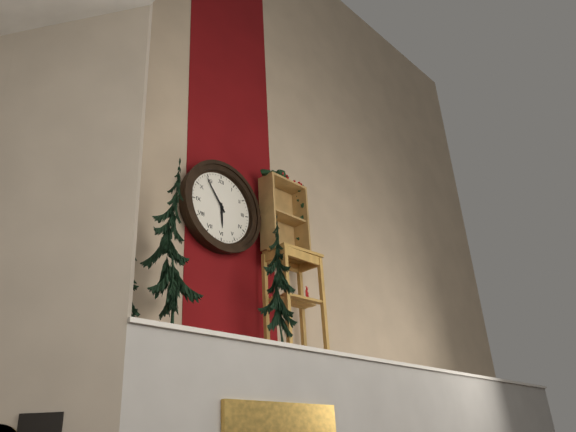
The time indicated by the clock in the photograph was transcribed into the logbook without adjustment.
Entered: 5:54
